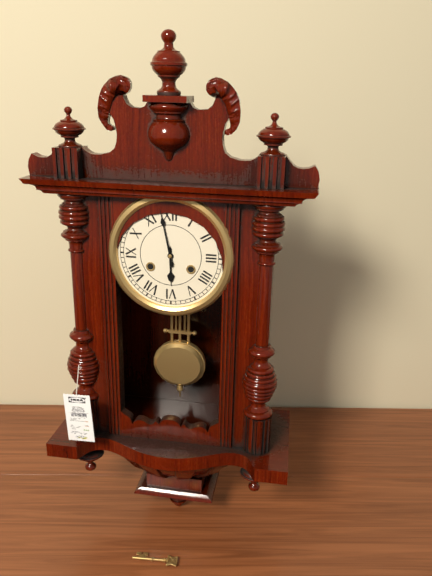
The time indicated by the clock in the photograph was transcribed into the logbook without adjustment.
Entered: 5:58
